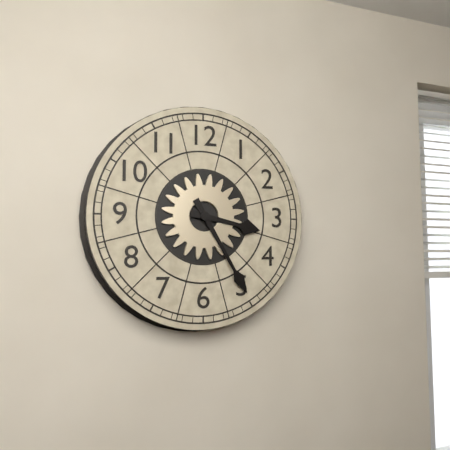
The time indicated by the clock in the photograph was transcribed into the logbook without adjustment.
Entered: 3:25
